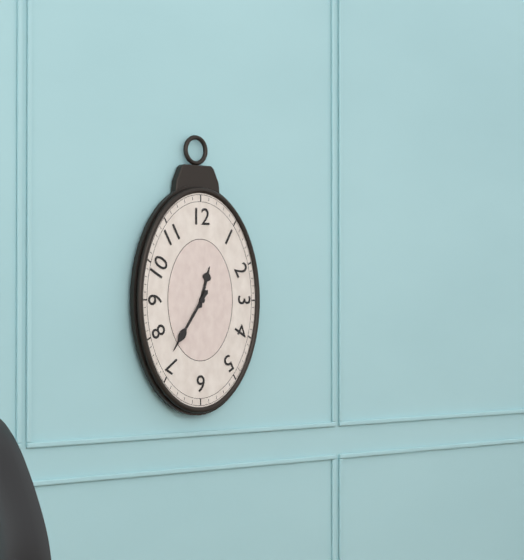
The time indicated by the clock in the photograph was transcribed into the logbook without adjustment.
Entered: 12:36
